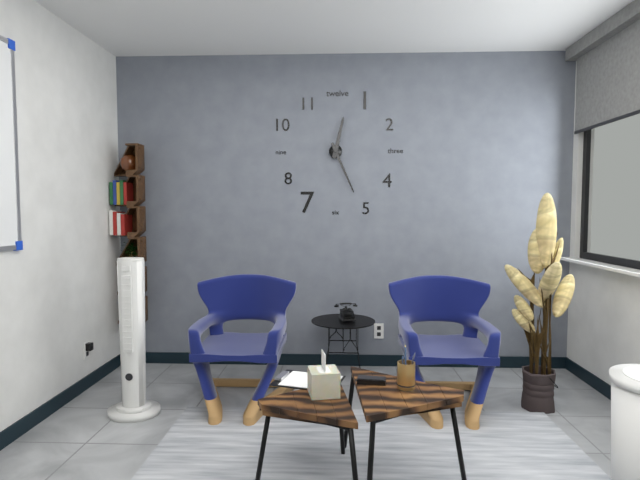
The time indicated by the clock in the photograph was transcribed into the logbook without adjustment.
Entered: 12:26
